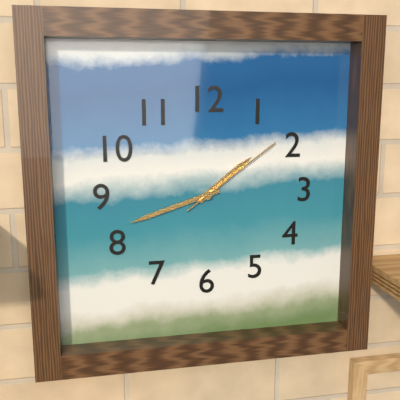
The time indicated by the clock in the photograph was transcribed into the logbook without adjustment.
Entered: 1:42:09
